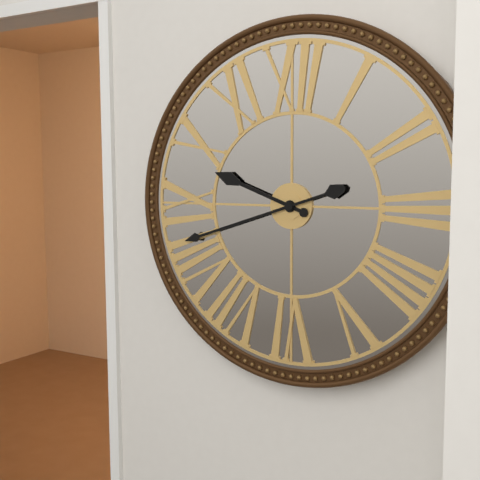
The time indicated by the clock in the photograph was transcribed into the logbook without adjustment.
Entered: 9:42
